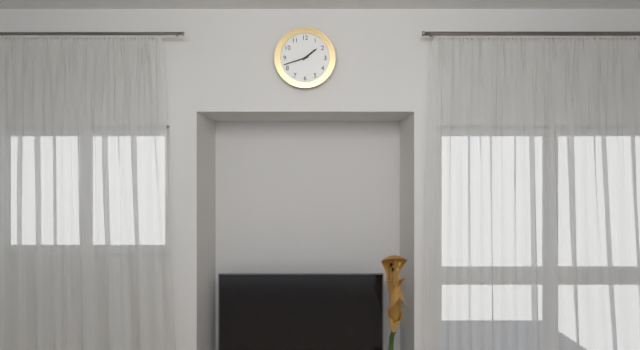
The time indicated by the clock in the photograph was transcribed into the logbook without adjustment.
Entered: 1:42
